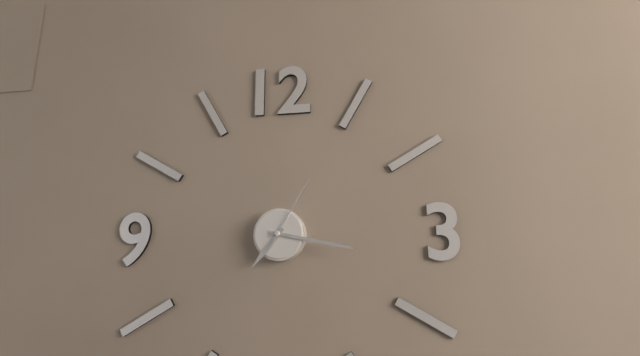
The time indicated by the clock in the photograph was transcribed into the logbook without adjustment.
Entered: 7:17:05
